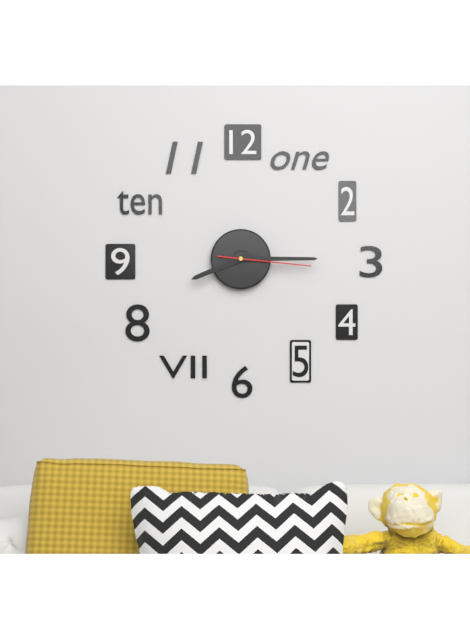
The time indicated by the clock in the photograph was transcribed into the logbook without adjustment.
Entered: 8:15:16
